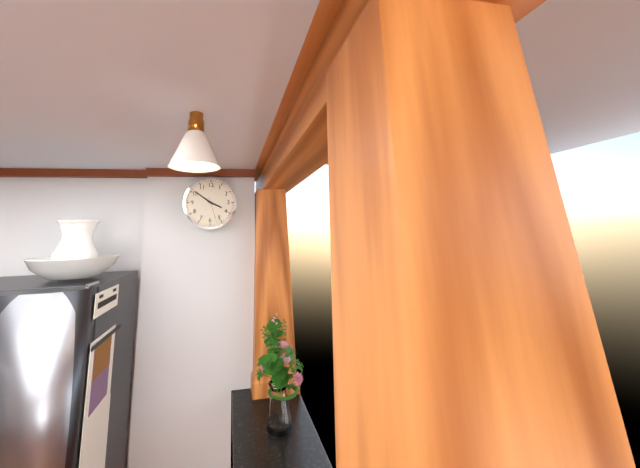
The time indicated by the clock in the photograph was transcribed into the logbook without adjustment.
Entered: 3:51
